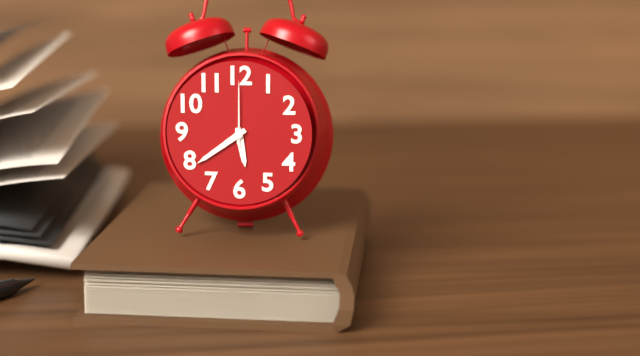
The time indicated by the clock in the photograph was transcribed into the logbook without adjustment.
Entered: 5:39:00
